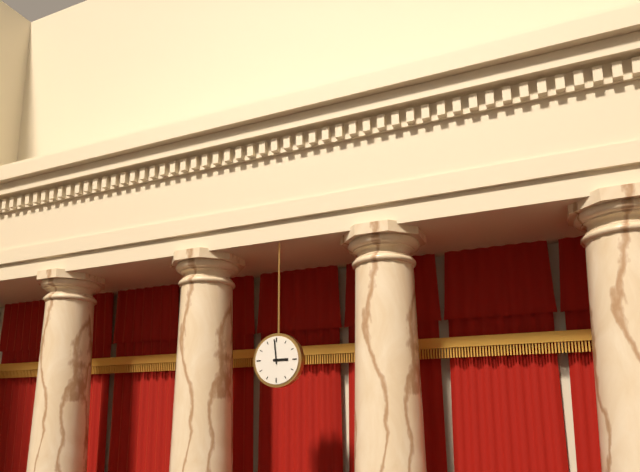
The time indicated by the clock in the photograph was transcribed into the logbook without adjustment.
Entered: 2:59
